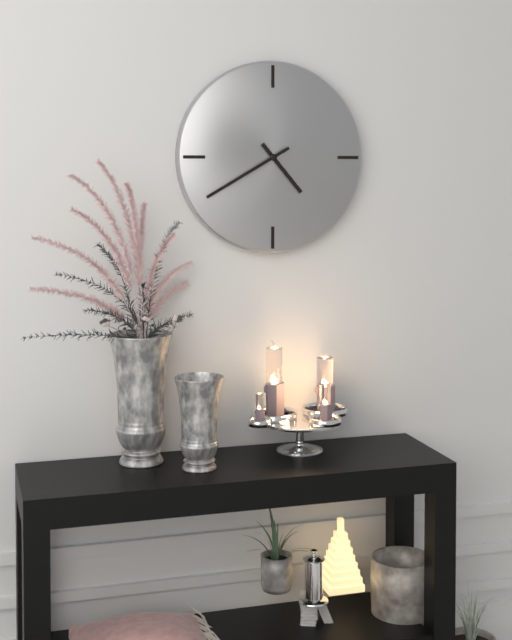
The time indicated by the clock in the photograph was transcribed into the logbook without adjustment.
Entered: 4:40
